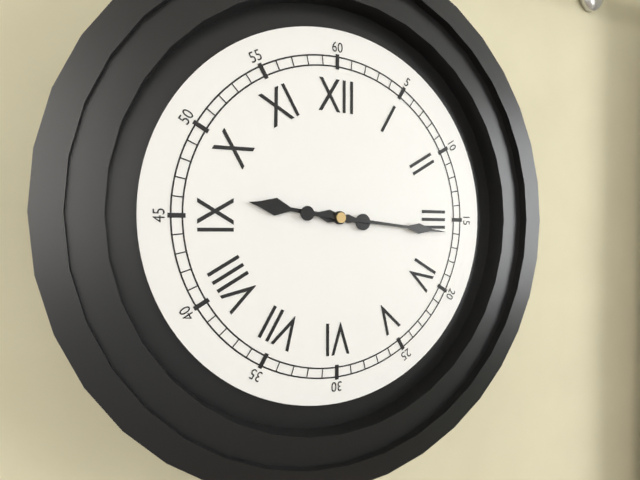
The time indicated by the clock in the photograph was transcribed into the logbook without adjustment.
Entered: 9:16
